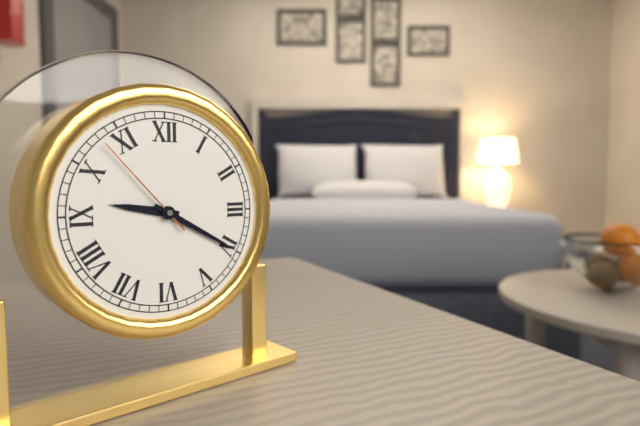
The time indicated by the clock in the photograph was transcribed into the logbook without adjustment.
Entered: 9:20:53
